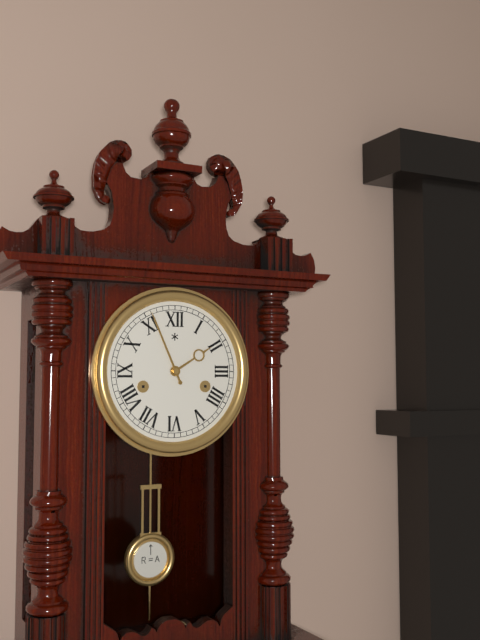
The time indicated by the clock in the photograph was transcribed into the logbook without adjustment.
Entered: 1:56
